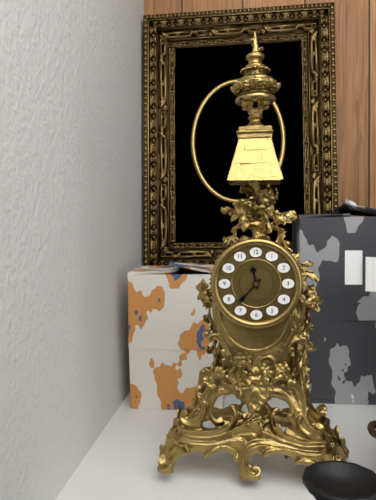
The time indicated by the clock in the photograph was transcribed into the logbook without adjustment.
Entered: 11:37
